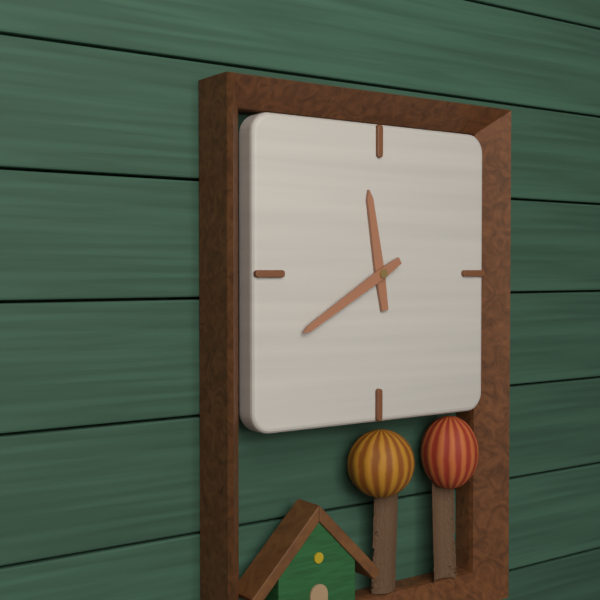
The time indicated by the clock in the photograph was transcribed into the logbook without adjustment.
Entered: 11:40
